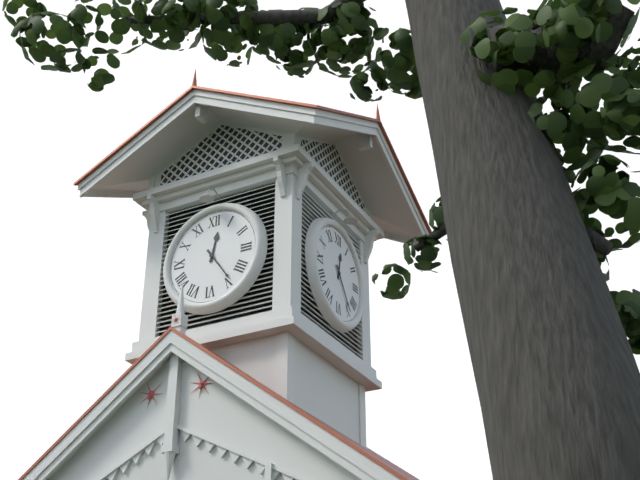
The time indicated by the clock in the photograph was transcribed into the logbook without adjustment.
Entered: 12:24
